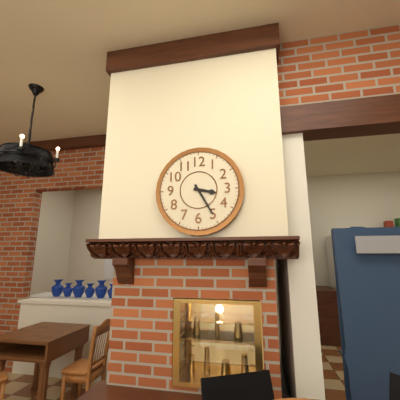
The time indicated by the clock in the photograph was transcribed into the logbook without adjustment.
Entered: 3:25
